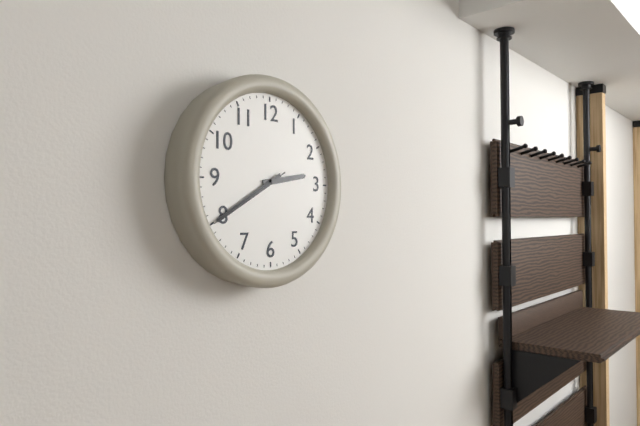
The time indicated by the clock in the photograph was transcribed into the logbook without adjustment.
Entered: 2:40:40
